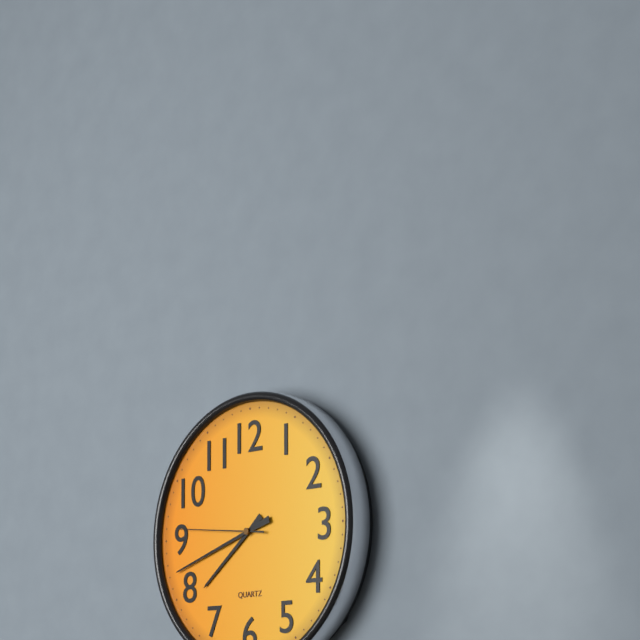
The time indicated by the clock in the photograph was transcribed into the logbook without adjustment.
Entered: 7:42:46
